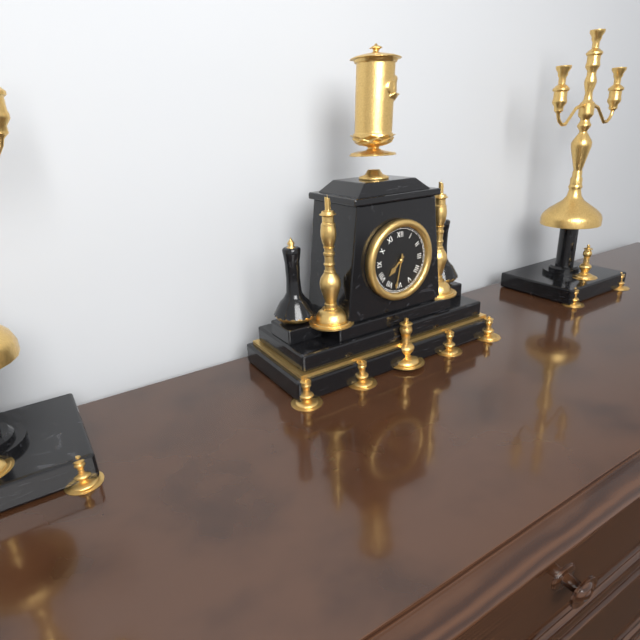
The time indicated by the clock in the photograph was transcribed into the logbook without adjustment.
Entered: 7:32
